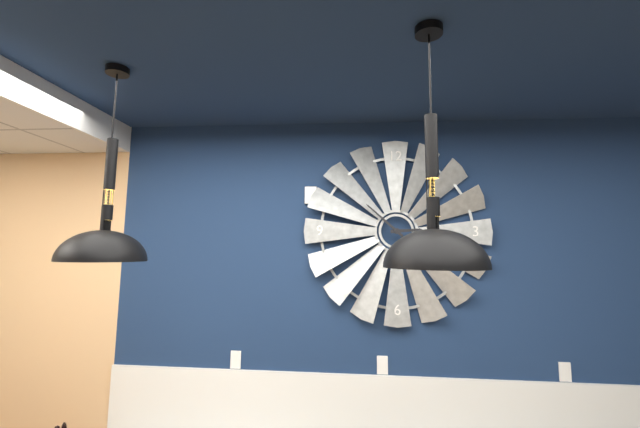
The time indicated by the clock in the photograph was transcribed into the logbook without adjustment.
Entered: 2:52
